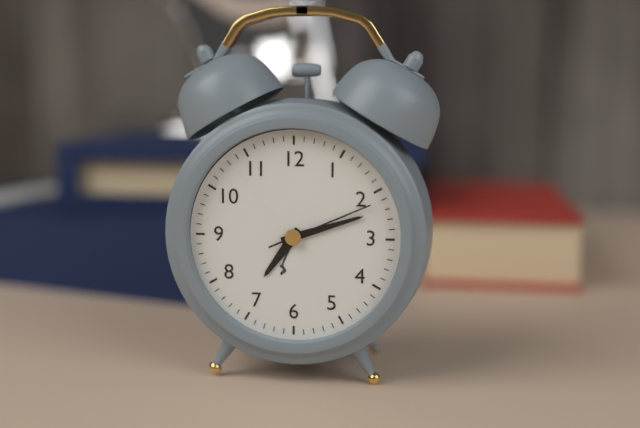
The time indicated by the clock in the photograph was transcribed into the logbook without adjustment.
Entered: 7:12:11
